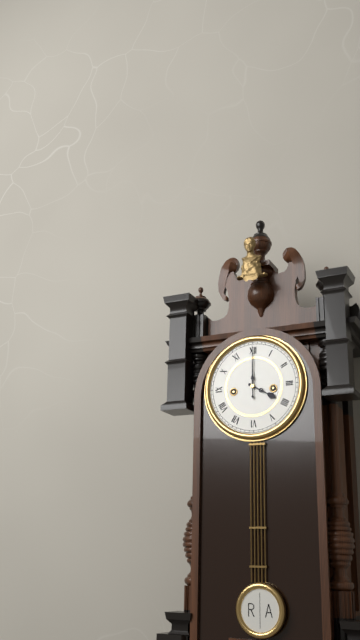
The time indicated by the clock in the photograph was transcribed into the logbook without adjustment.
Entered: 4:00
